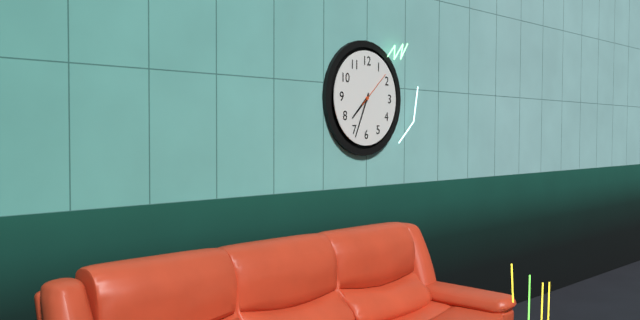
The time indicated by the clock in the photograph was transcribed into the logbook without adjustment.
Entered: 7:34
